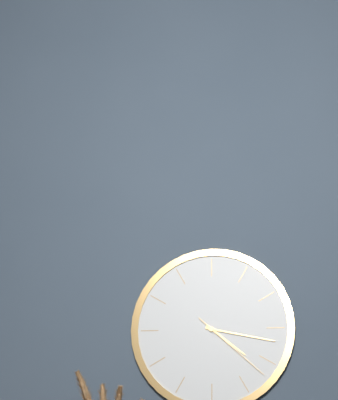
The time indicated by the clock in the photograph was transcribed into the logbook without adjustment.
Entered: 4:17:22
